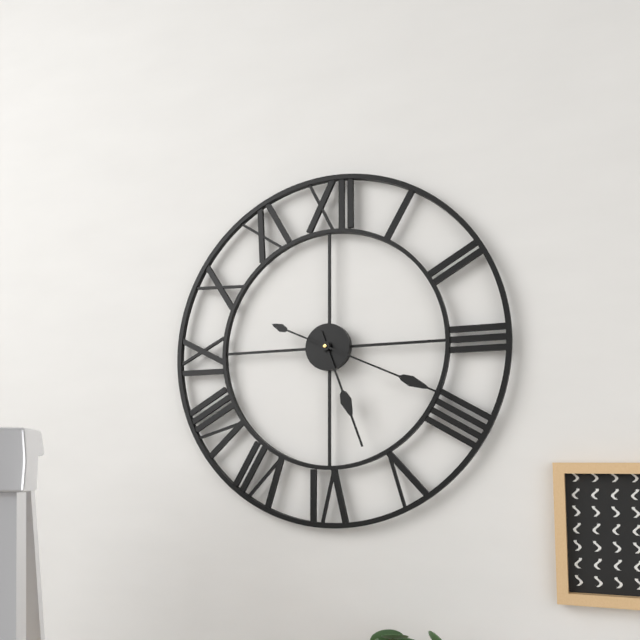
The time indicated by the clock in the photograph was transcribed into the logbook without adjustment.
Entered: 5:19
